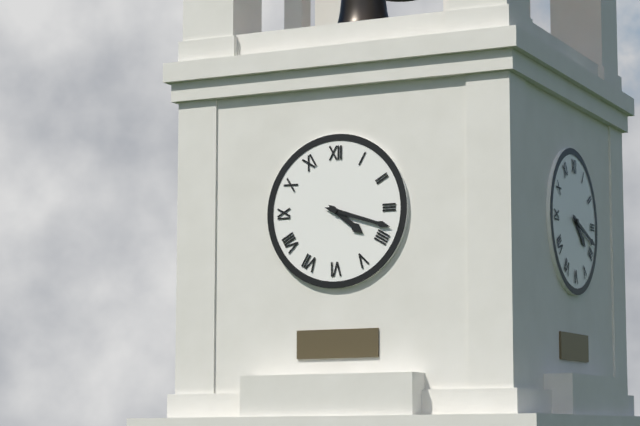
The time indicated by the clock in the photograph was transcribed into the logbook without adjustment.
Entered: 4:18
